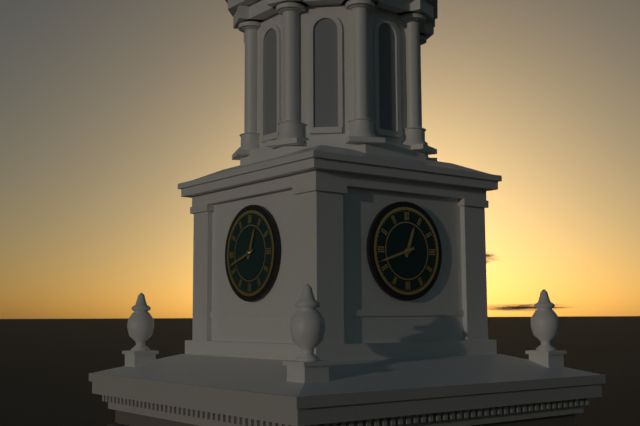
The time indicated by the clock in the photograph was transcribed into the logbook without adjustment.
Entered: 12:42
